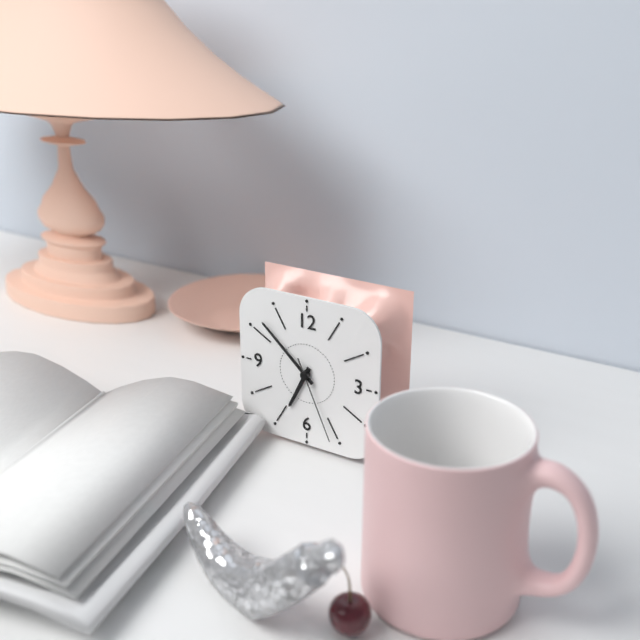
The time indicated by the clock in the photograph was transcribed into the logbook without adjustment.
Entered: 6:52:26
